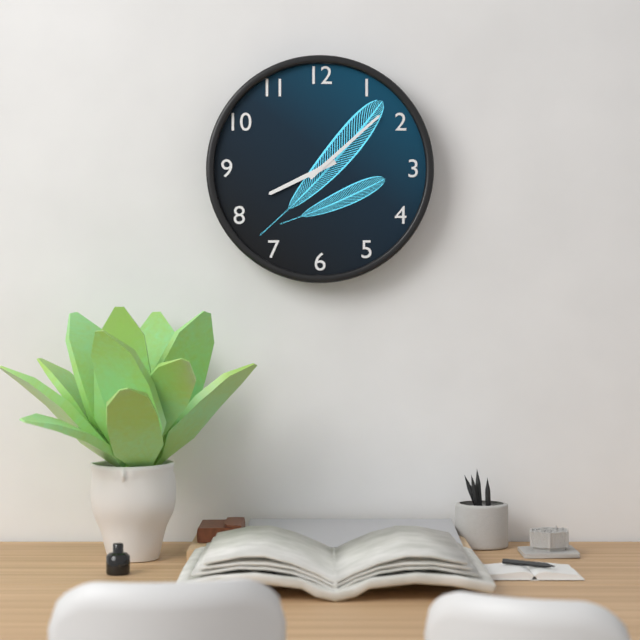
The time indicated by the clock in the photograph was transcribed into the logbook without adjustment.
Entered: 8:08
